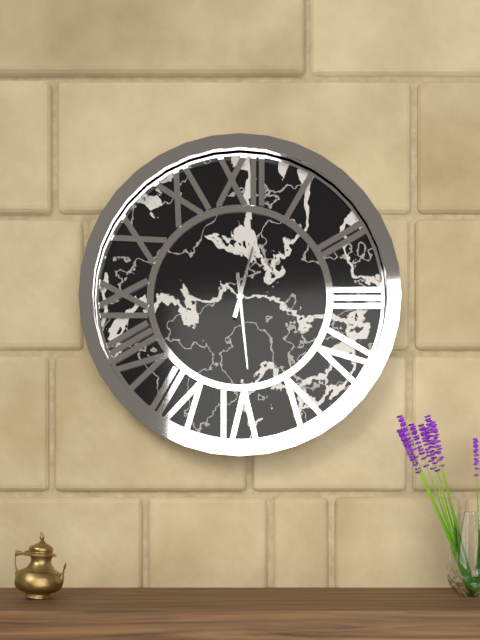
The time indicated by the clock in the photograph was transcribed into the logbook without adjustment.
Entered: 12:29
